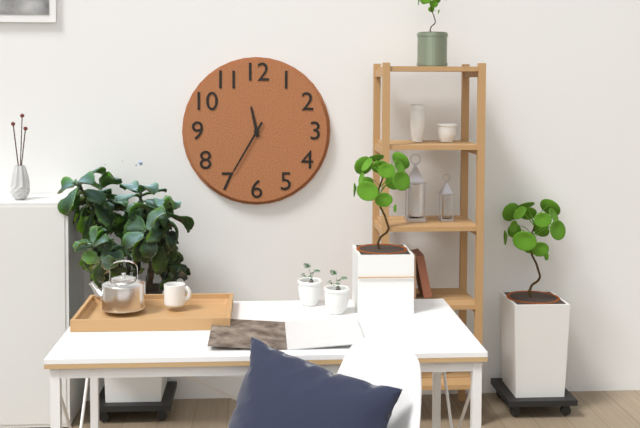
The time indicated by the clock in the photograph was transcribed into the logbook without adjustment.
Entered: 11:35
